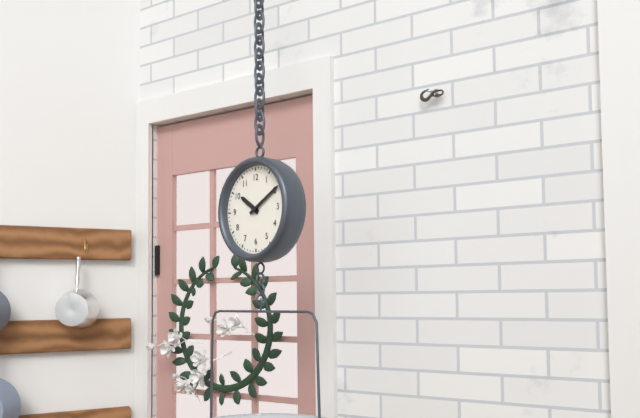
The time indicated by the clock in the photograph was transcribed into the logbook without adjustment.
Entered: 10:10
